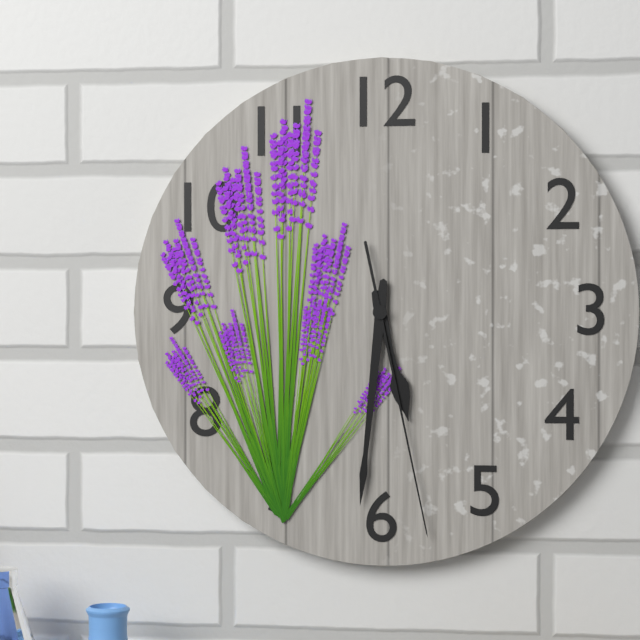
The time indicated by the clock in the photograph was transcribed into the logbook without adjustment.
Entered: 5:31:28
